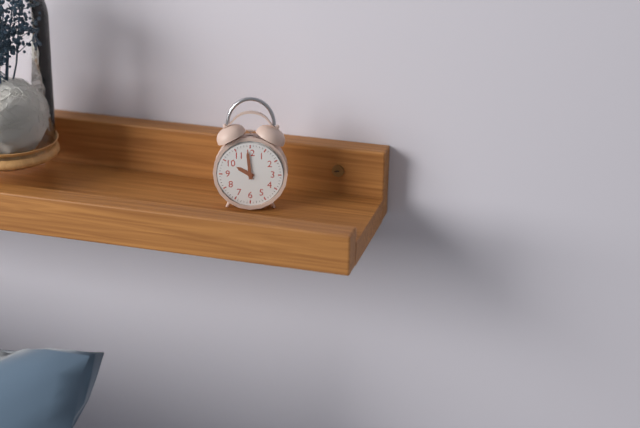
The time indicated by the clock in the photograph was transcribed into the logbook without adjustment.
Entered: 9:59
